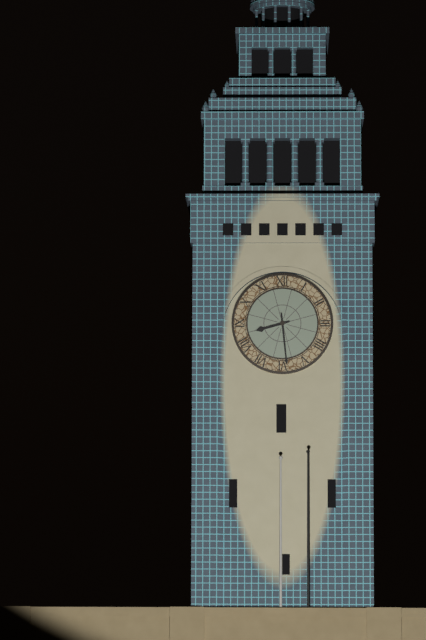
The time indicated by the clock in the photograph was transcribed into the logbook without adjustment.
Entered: 8:29
